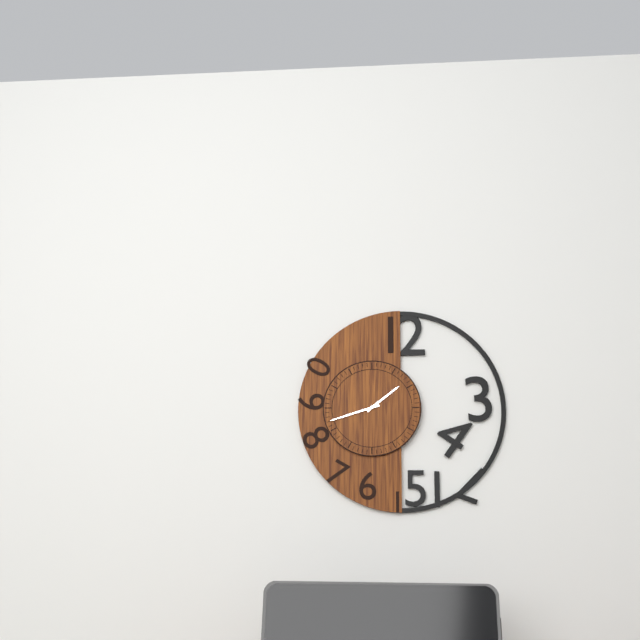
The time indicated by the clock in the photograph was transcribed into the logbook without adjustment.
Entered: 1:42
